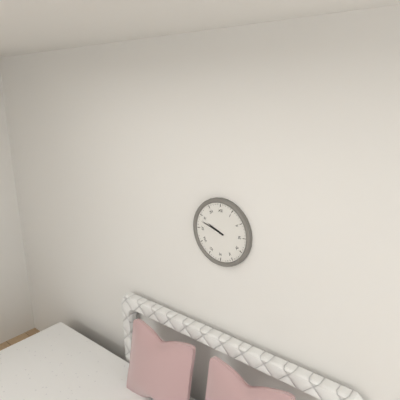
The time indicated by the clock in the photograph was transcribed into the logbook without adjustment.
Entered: 9:48
